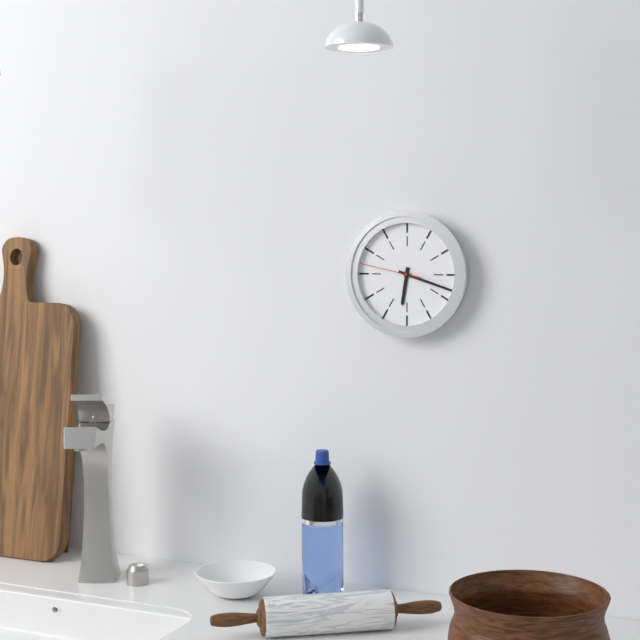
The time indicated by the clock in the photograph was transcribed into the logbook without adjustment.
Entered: 6:18:47
